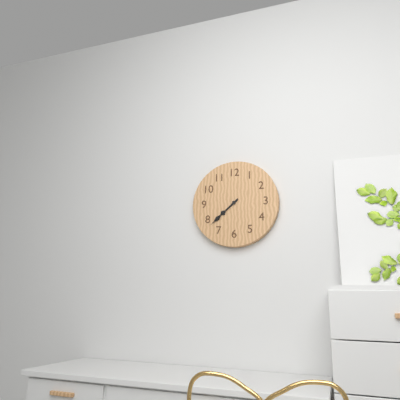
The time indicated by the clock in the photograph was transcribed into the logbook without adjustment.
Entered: 7:38
